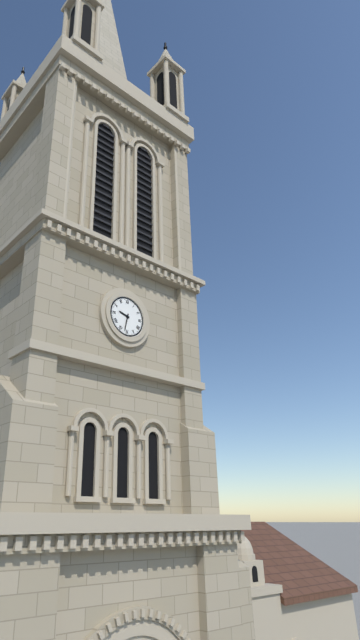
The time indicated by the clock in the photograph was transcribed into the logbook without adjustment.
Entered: 9:32
